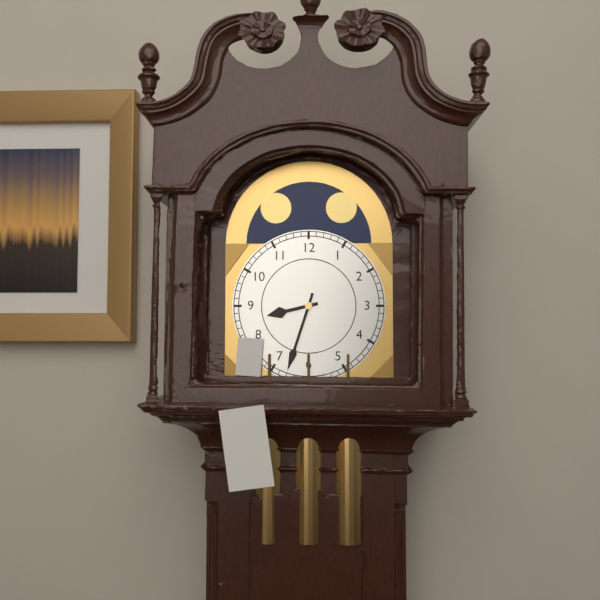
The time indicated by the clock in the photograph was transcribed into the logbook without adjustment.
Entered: 8:33
